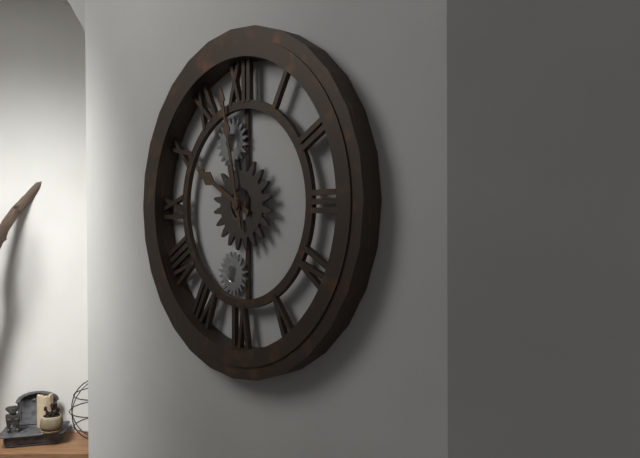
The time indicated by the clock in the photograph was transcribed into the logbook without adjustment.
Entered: 9:58
